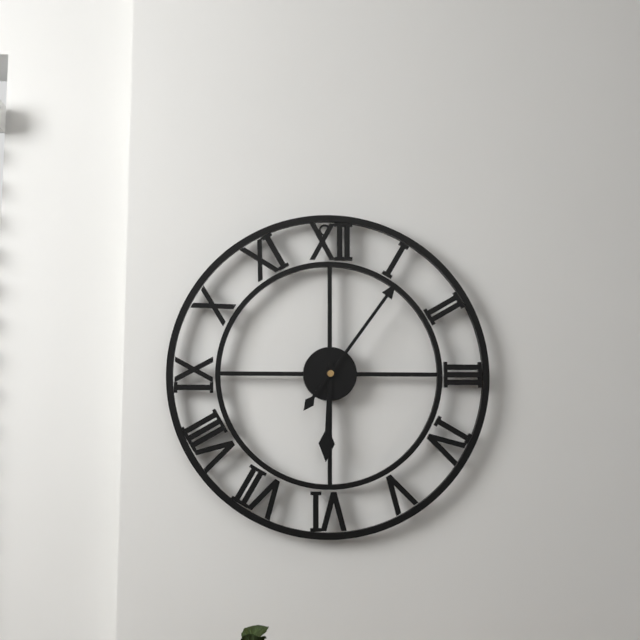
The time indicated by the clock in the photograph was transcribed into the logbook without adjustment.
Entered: 6:06
